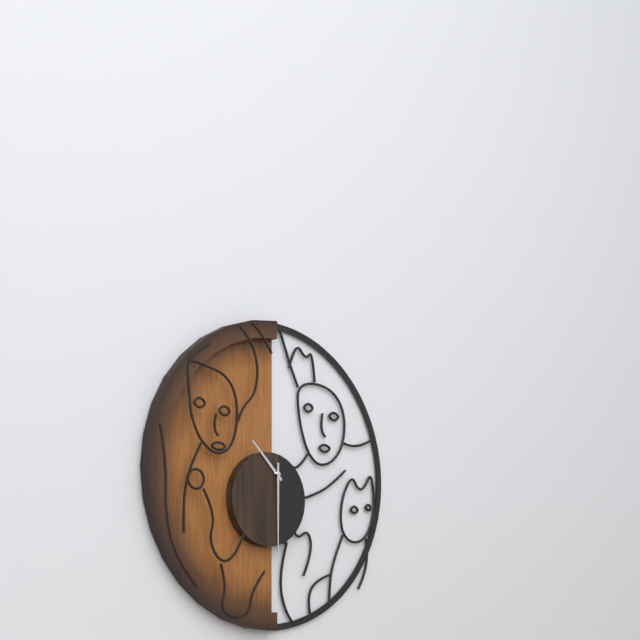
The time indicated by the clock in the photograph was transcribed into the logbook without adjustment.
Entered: 10:30
